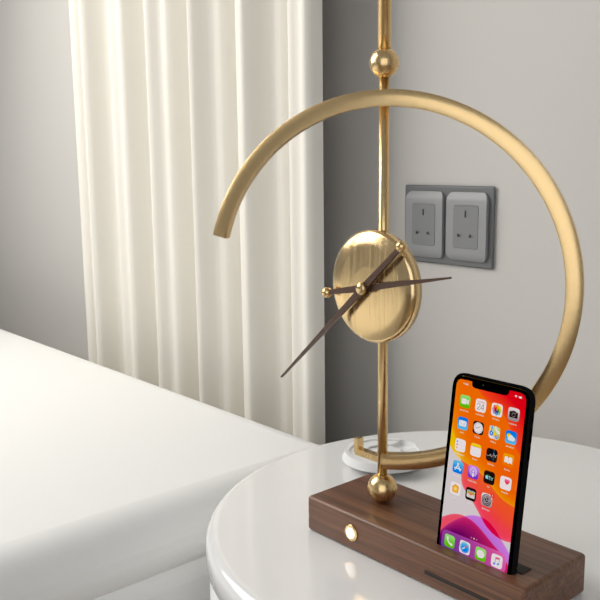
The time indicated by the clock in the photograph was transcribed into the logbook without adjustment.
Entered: 2:38
